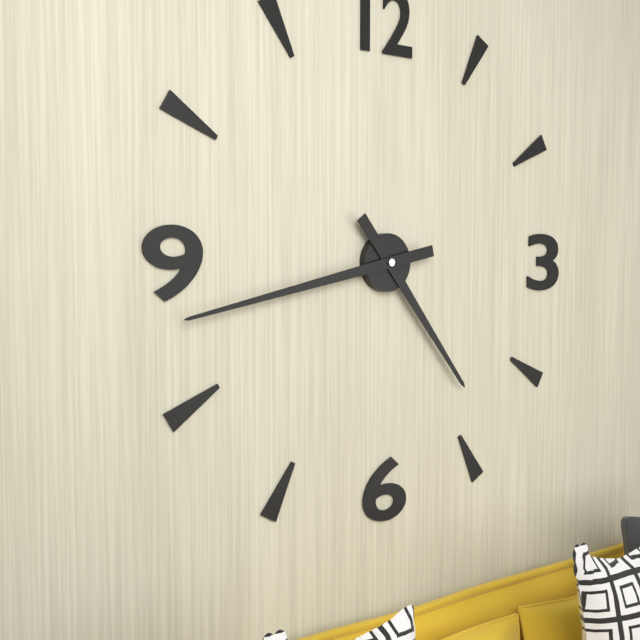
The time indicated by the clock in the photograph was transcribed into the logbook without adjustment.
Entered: 4:43
